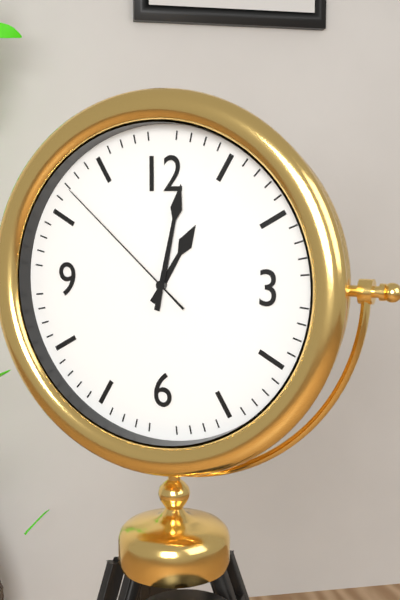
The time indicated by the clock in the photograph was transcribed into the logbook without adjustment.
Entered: 1:02:52
